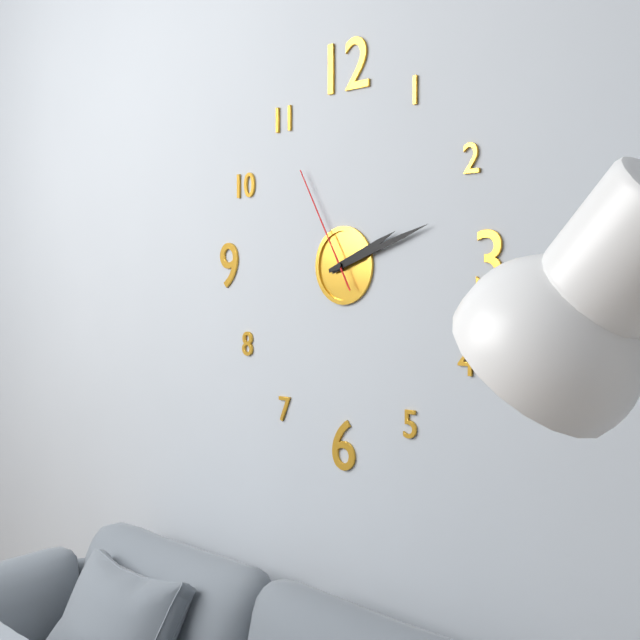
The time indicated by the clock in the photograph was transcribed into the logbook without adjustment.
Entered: 2:12:55
